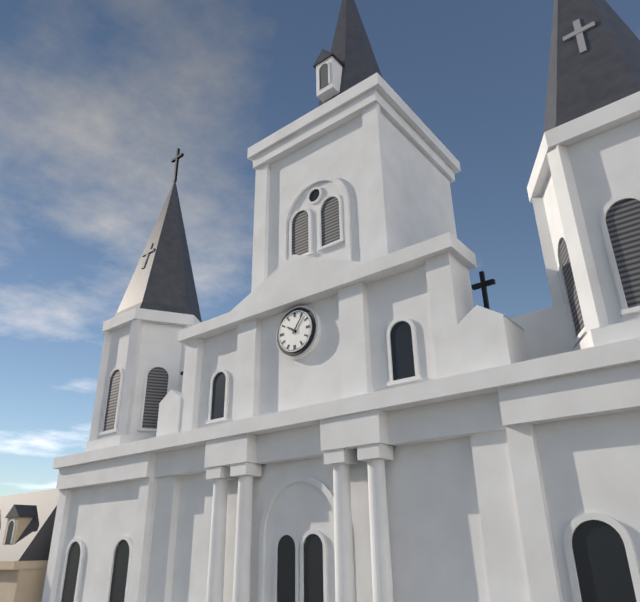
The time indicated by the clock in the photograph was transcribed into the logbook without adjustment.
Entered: 10:06
